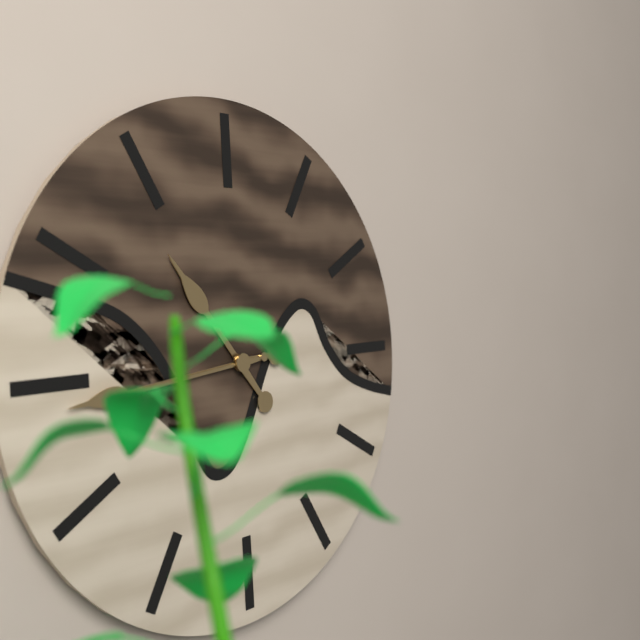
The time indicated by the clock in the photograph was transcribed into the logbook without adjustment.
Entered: 10:44:44
